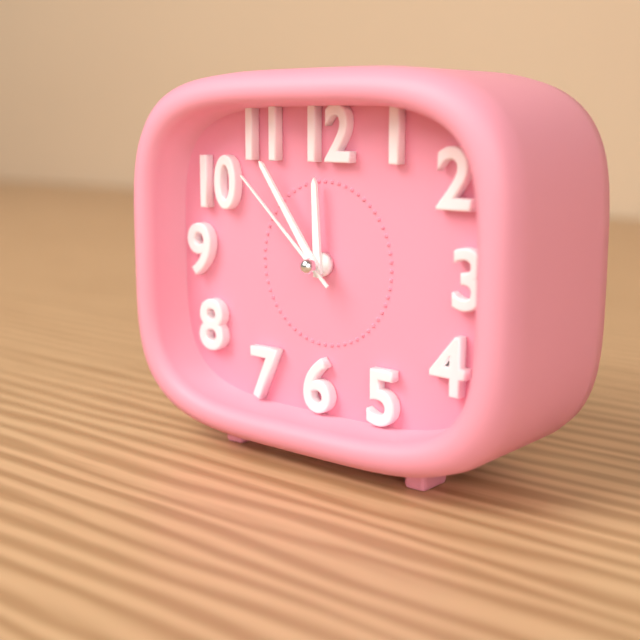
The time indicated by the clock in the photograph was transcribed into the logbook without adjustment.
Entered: 11:54:52
